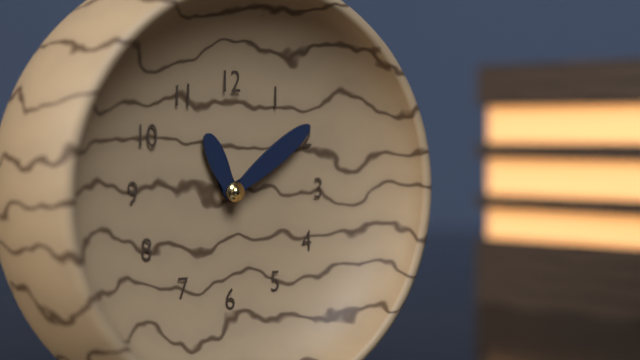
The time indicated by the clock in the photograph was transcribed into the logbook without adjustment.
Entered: 11:09
